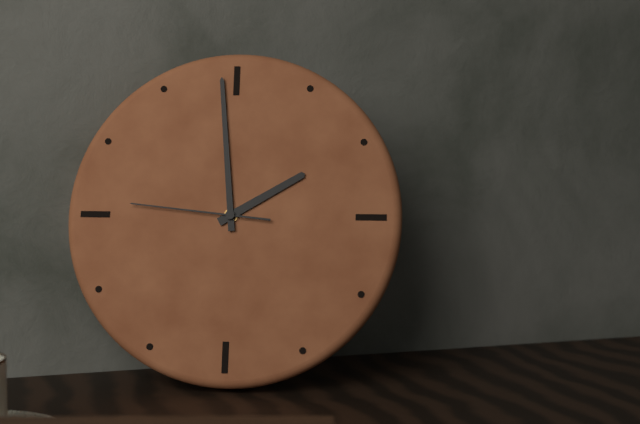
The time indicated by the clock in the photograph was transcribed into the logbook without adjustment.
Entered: 1:59:46
